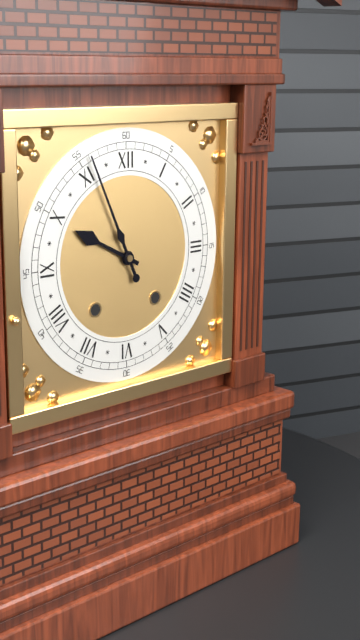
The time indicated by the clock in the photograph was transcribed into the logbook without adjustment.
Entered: 9:56
